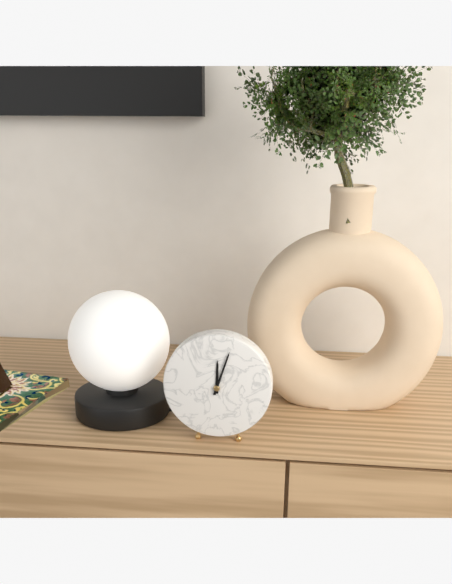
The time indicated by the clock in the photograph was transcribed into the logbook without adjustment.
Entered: 12:03
